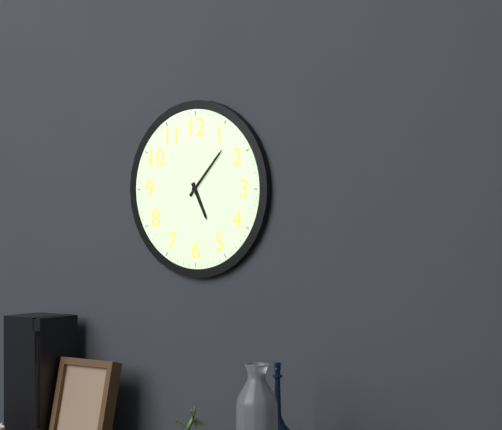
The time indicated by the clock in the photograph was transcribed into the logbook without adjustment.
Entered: 5:07
